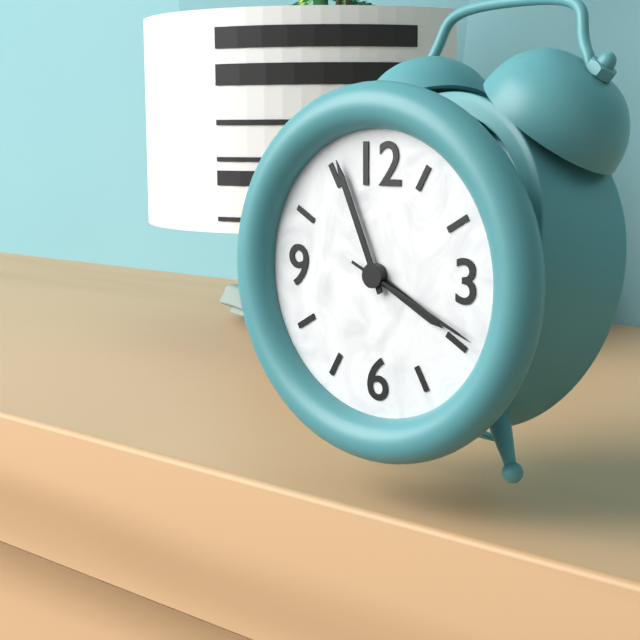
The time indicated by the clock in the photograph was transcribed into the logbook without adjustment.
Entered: 3:56:19
